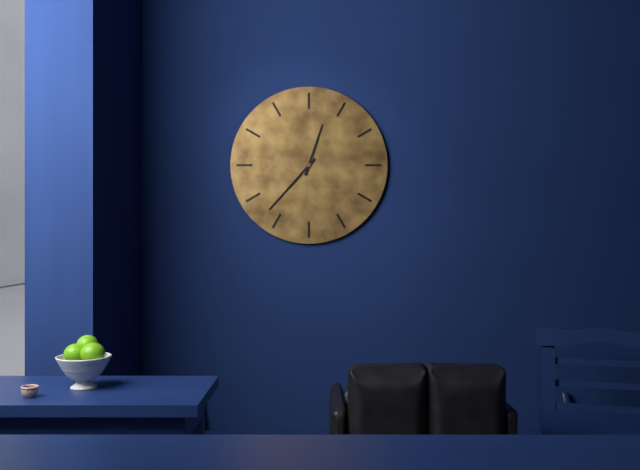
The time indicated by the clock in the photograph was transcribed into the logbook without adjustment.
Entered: 12:37
